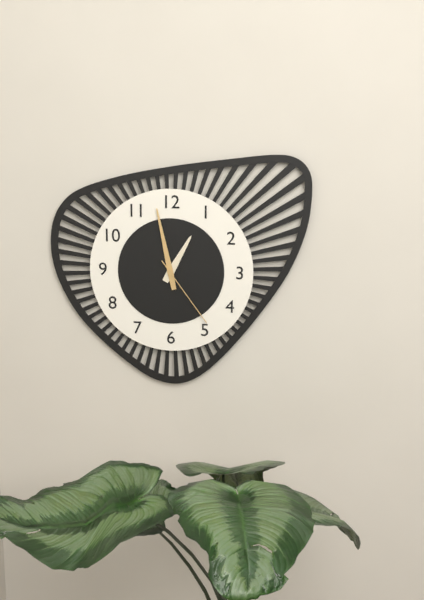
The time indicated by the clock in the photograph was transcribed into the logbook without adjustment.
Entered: 12:58:24
